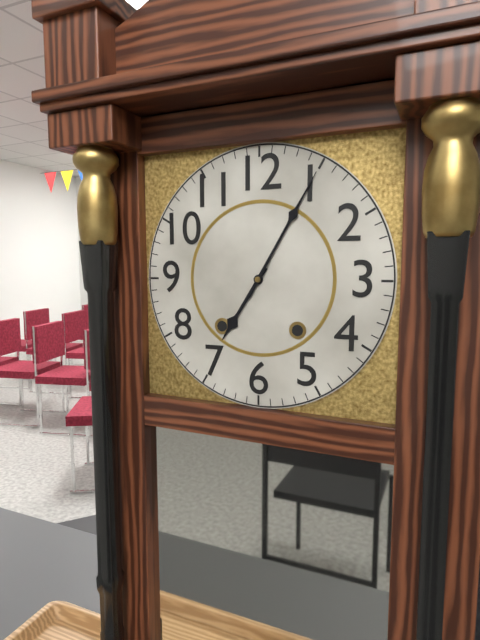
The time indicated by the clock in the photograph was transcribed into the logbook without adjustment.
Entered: 7:05
